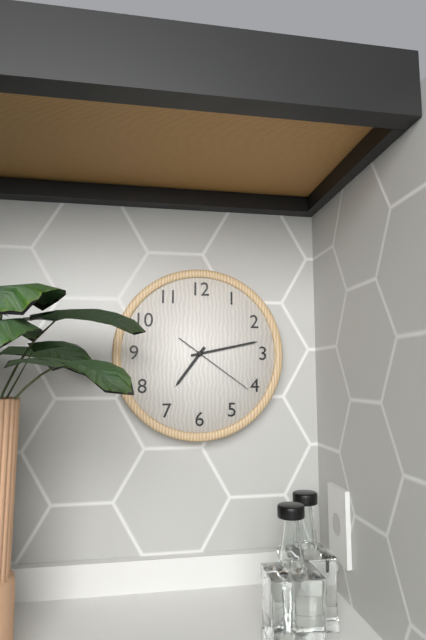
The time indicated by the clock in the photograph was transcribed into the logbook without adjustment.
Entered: 7:13:21
